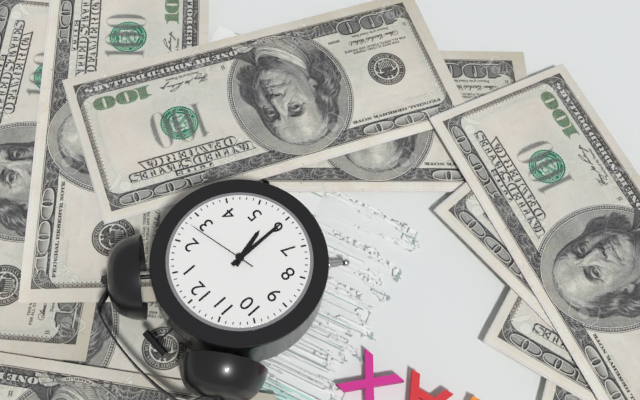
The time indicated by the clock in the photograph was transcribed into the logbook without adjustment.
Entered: 5:30:13
